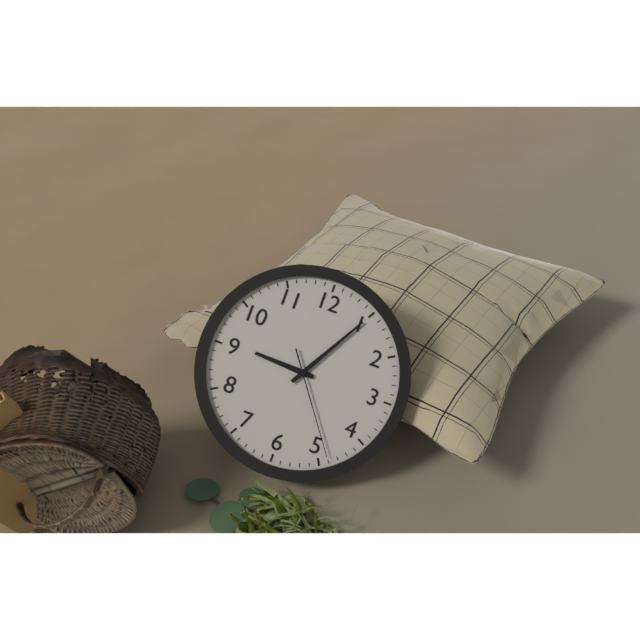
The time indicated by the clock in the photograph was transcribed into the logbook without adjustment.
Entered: 9:05:24
